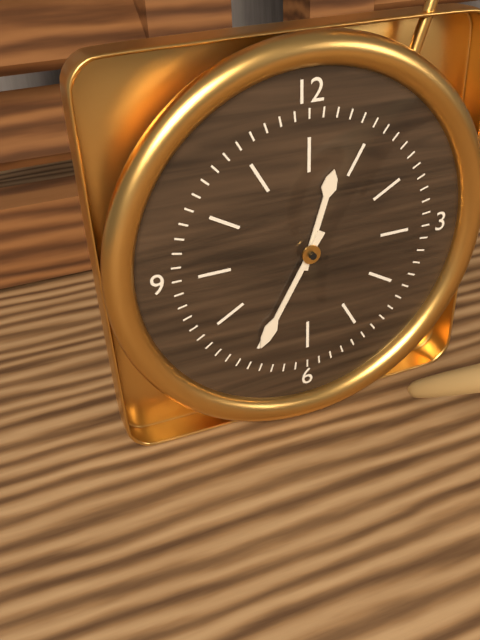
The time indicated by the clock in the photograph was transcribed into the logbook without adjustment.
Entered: 12:35
